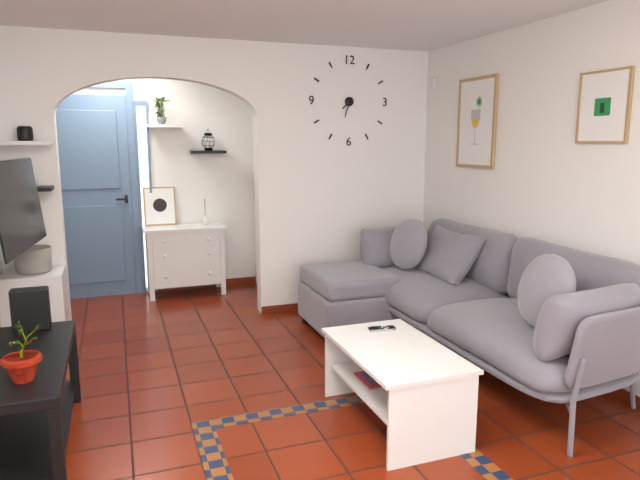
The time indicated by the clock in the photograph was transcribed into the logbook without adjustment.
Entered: 7:33
